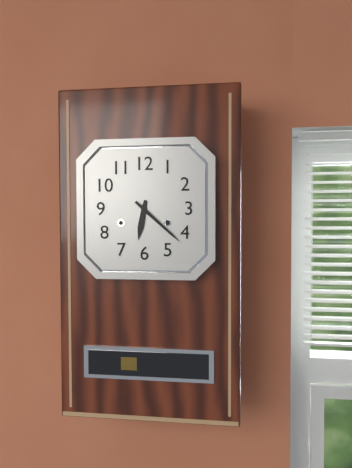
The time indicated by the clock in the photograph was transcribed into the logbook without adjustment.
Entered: 6:22
